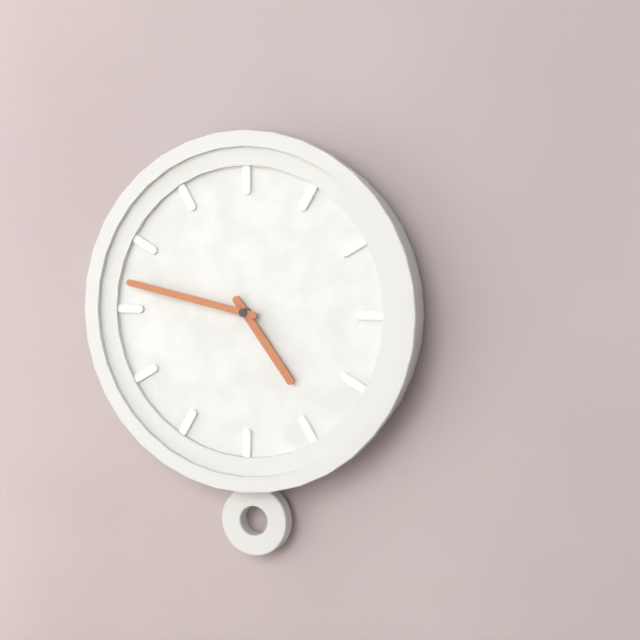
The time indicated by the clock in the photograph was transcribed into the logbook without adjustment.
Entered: 4:47
